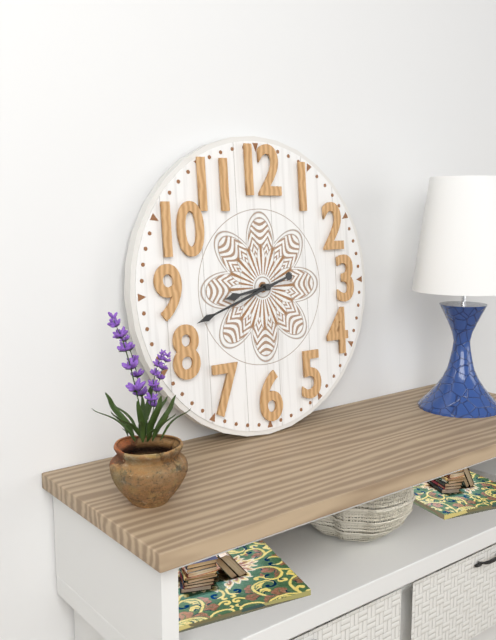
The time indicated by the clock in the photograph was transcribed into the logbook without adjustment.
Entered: 8:42
